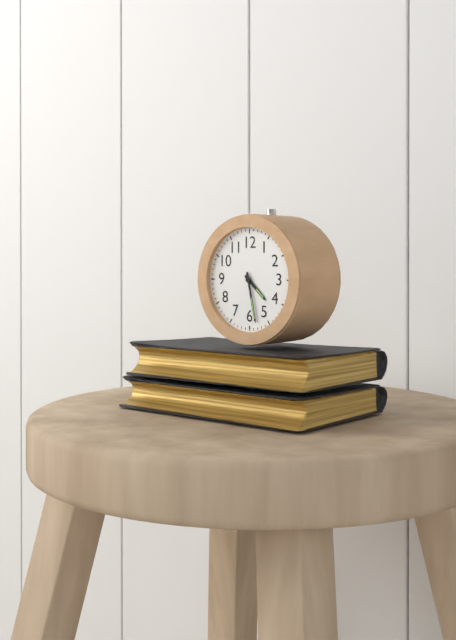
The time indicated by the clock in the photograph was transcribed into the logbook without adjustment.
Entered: 4:28
